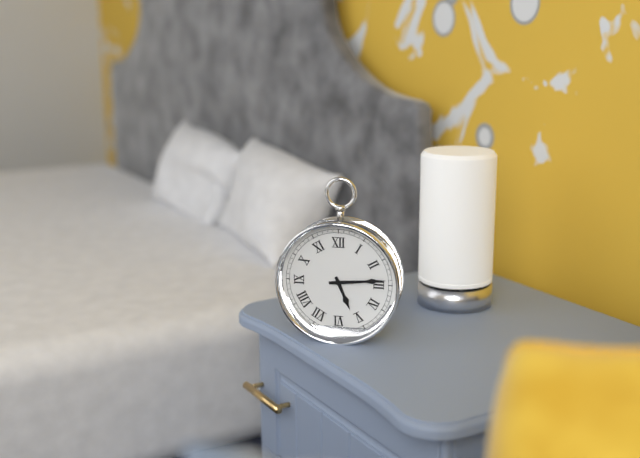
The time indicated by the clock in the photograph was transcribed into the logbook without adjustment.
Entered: 5:14
